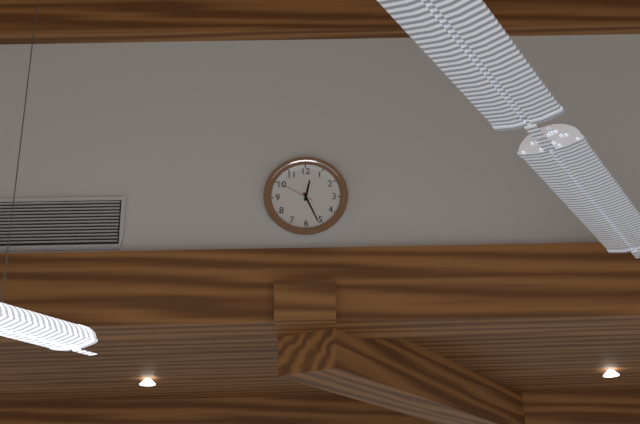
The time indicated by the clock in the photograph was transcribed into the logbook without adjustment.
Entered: 12:26
